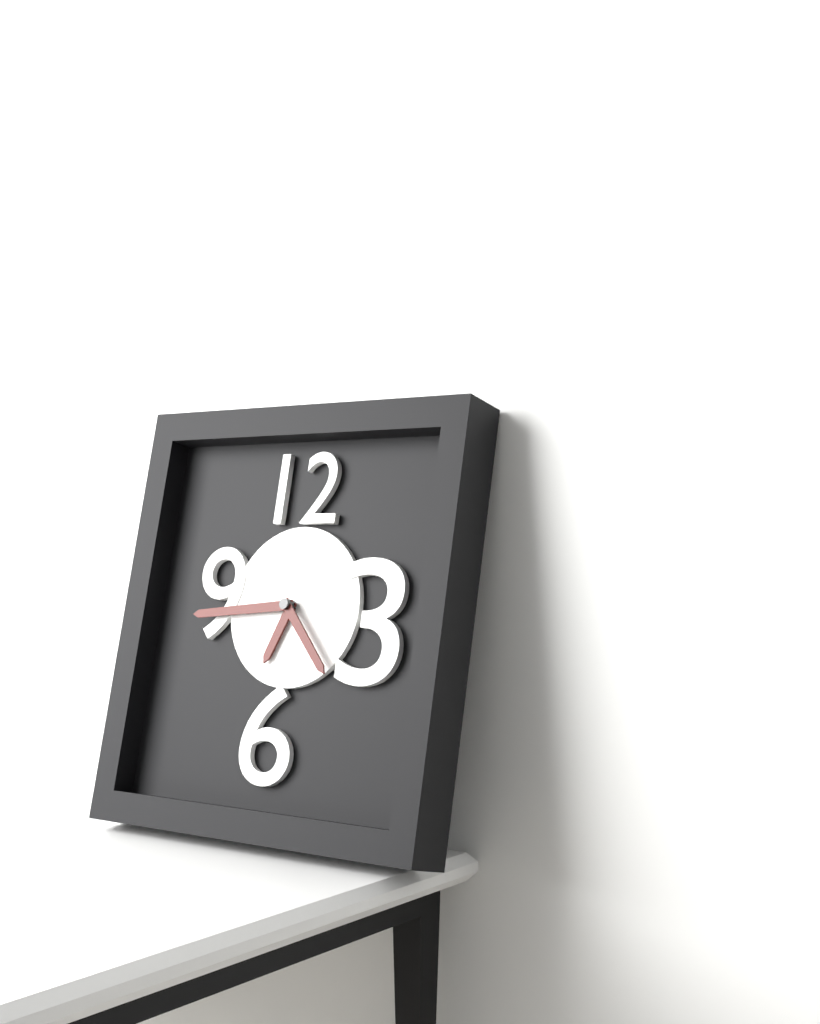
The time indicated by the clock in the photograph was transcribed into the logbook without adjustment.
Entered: 6:44:23
